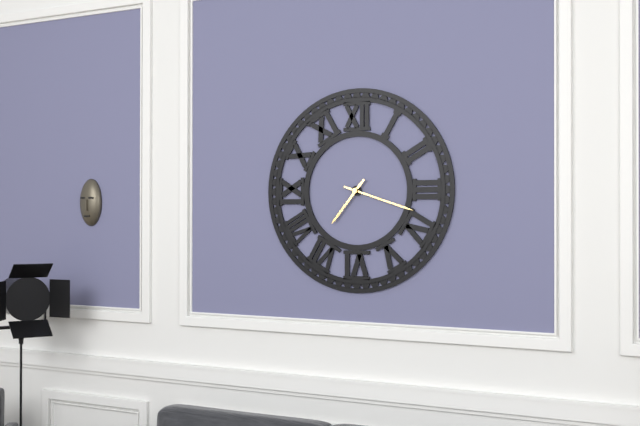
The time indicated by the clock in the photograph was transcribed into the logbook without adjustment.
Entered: 7:18
